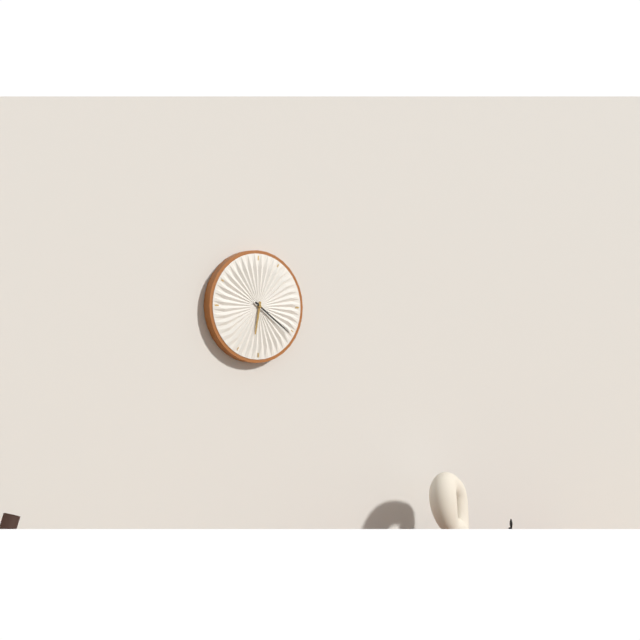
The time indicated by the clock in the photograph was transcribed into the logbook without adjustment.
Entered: 6:21
